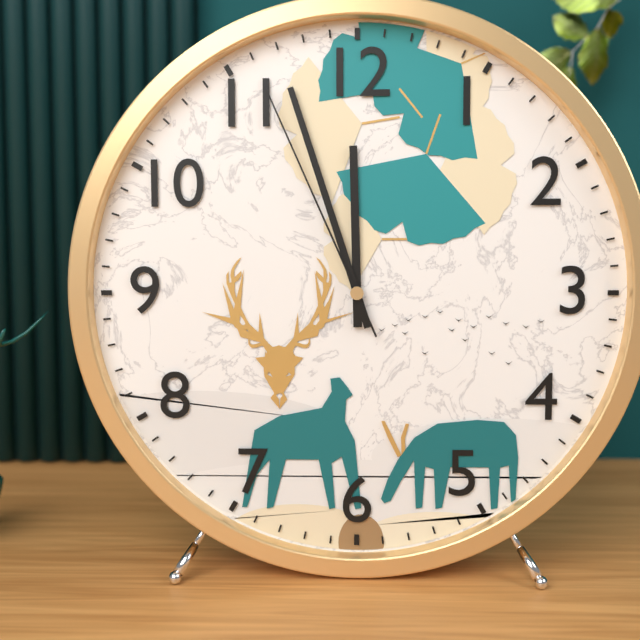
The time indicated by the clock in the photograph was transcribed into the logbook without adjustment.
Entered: 11:57:56
